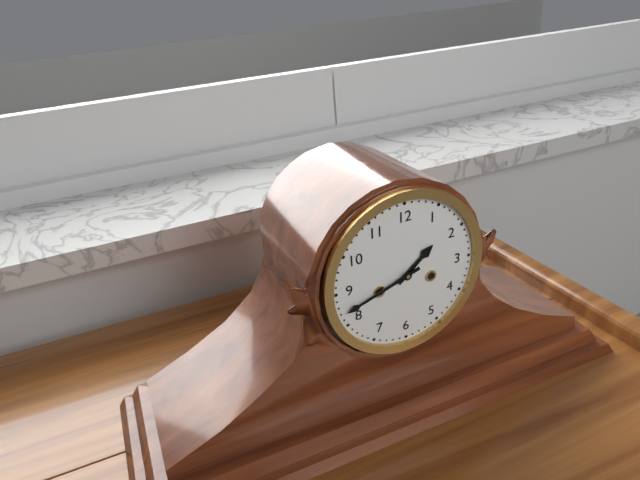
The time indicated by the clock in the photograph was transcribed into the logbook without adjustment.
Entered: 1:42
